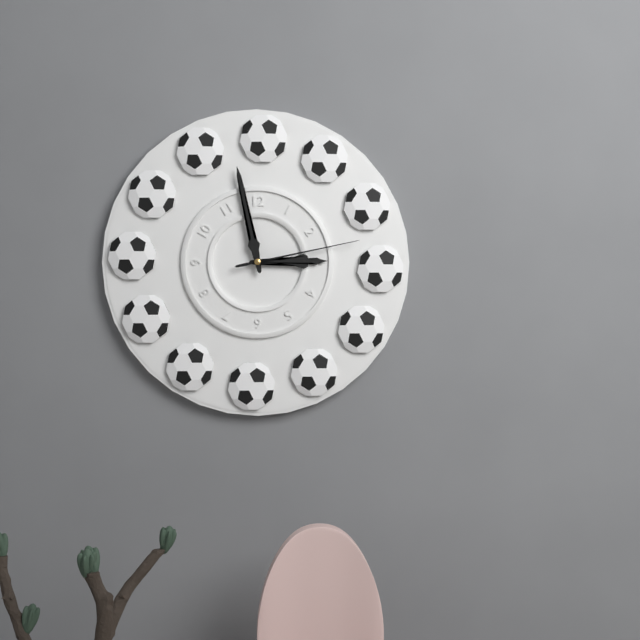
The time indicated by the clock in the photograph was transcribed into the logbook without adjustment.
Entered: 2:58:13
